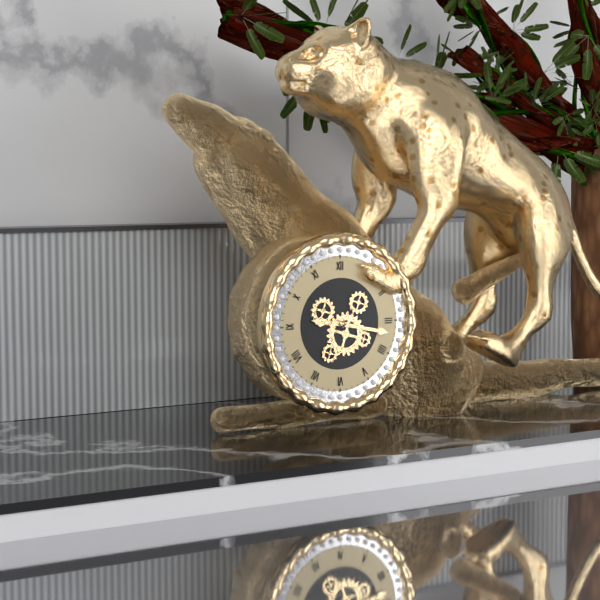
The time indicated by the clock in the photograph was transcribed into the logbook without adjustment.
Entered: 9:17
